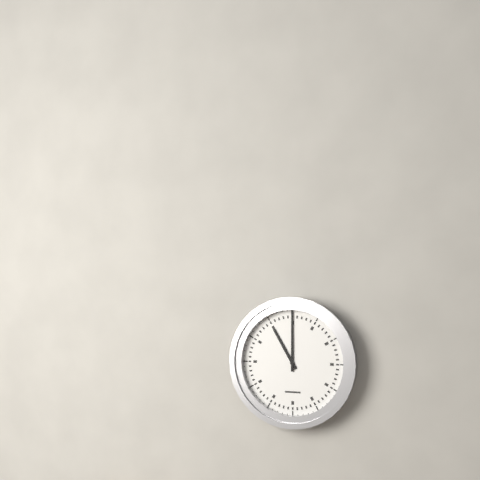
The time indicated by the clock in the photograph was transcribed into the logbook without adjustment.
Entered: 11:00
